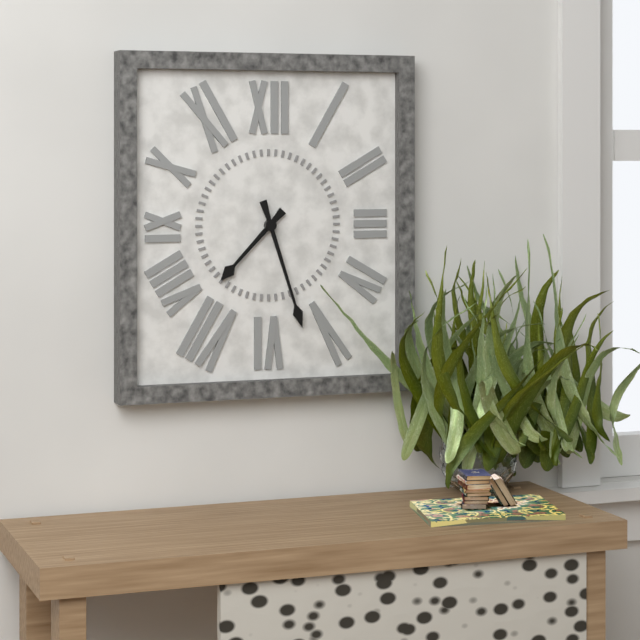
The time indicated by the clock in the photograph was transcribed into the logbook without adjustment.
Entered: 7:27
